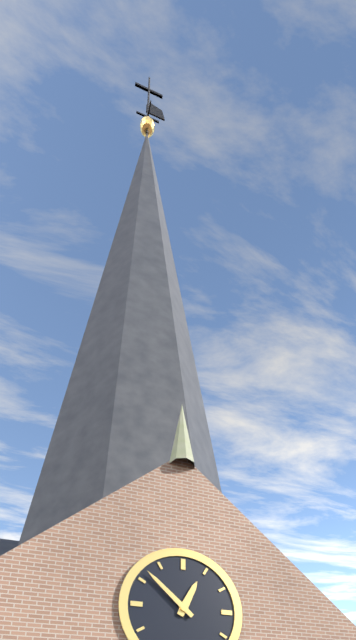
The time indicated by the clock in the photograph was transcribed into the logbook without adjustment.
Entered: 12:52
